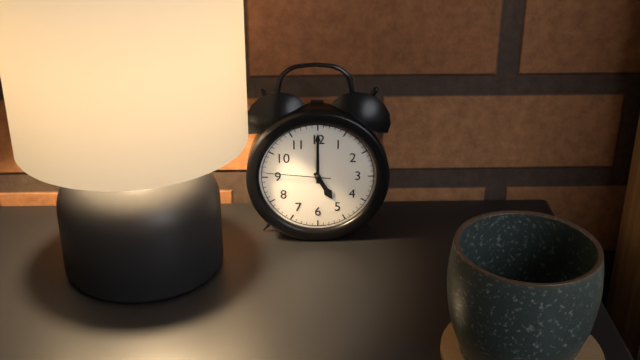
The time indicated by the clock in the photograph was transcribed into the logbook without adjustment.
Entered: 5:00:46
